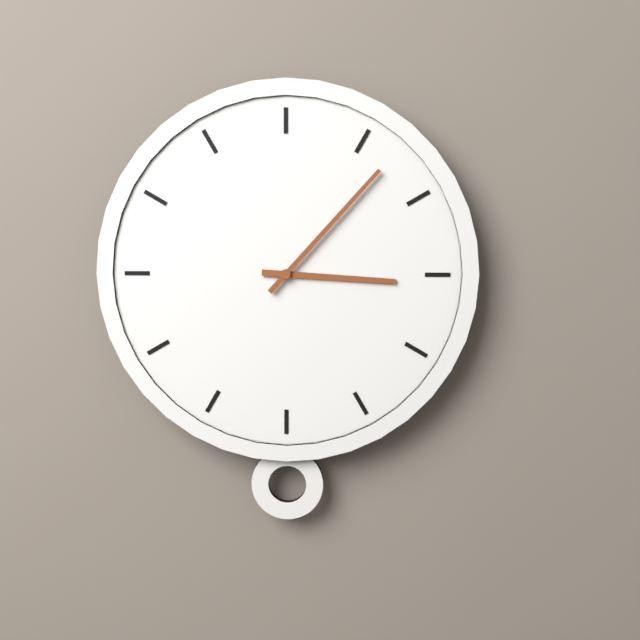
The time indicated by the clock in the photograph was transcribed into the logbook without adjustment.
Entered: 3:07
